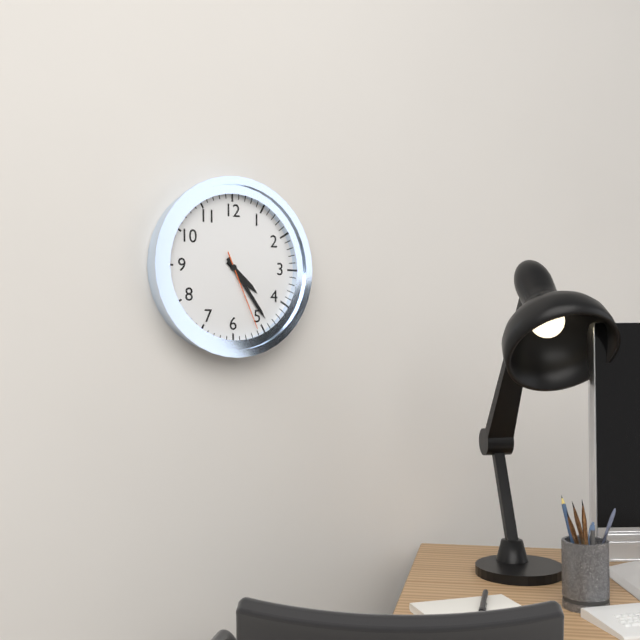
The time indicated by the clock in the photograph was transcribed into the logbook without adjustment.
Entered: 4:24:26
